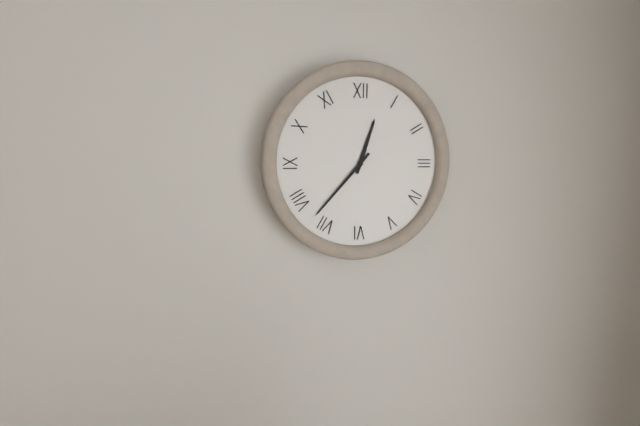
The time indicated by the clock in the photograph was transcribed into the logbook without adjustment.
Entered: 12:37
